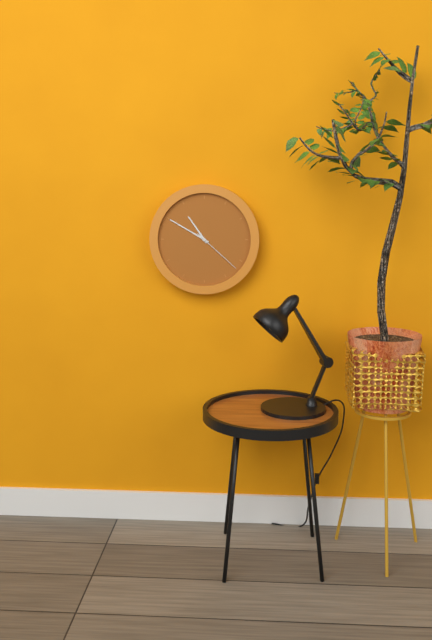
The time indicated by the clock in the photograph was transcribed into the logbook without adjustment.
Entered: 10:50:22
